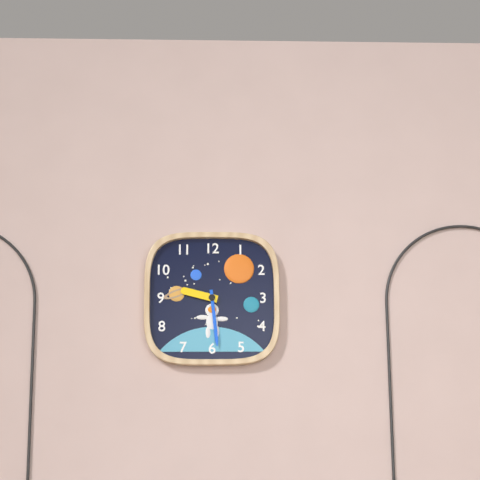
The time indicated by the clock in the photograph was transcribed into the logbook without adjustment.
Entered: 9:29
